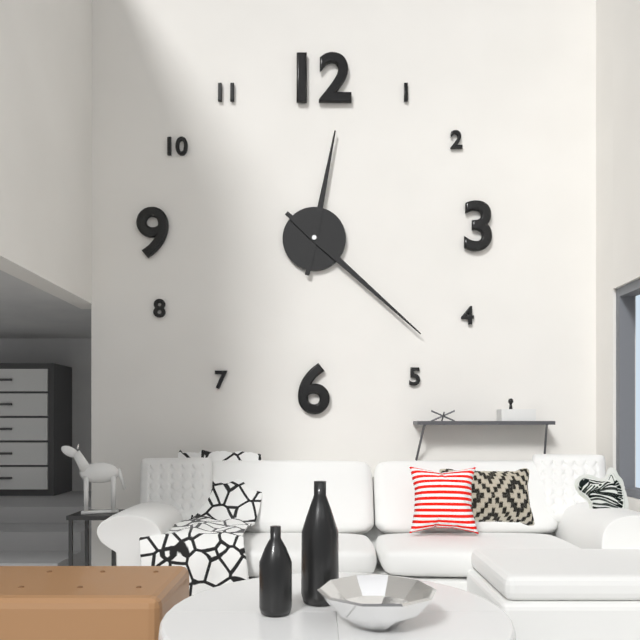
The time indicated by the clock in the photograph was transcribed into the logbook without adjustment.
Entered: 12:22
